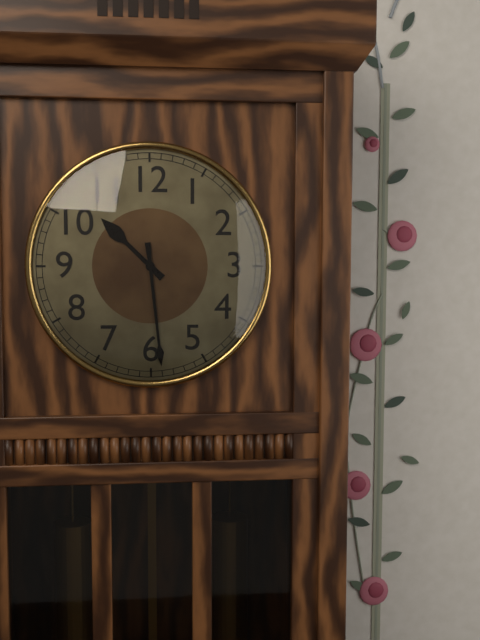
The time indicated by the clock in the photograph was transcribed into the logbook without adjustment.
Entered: 10:29
